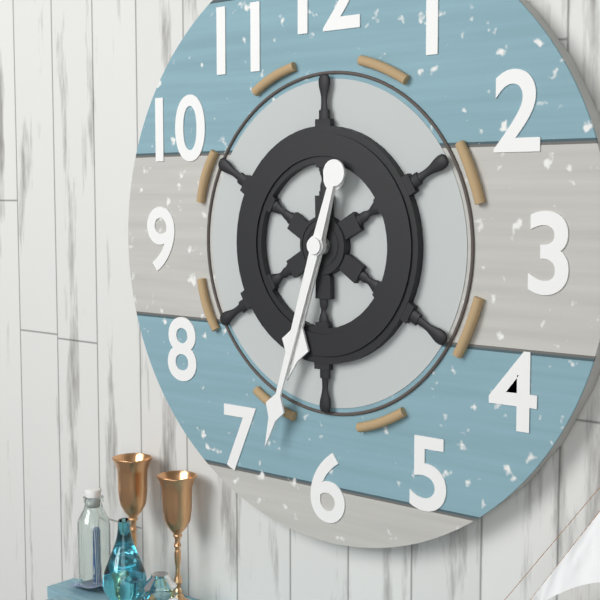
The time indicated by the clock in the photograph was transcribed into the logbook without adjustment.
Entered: 6:33
